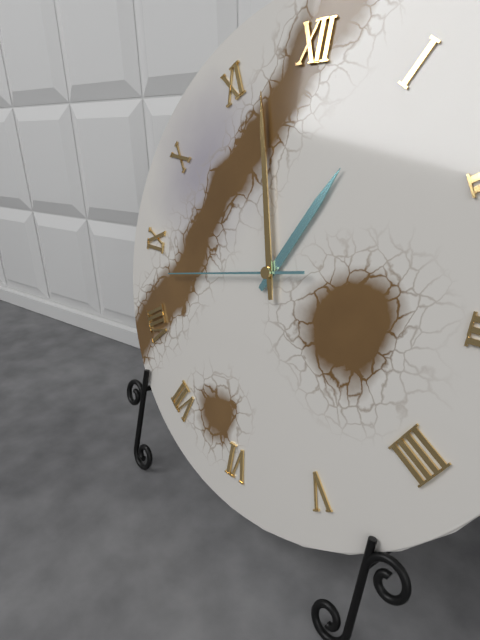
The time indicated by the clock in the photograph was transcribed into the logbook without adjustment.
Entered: 12:57:43
